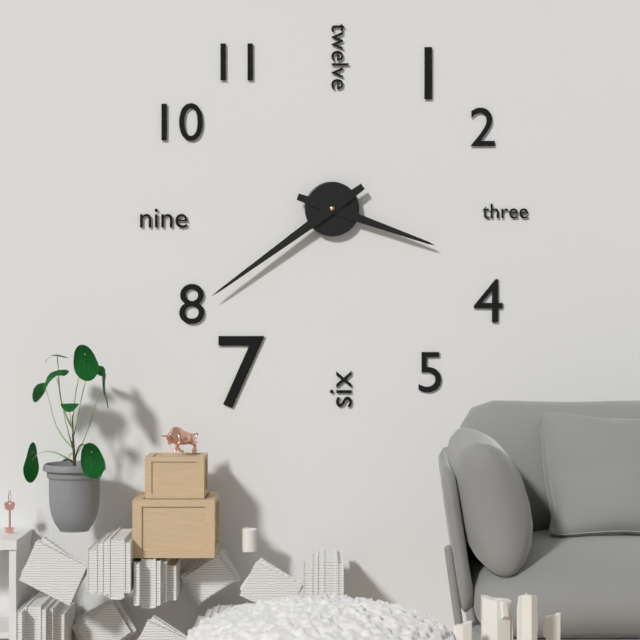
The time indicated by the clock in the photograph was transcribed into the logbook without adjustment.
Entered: 3:39
